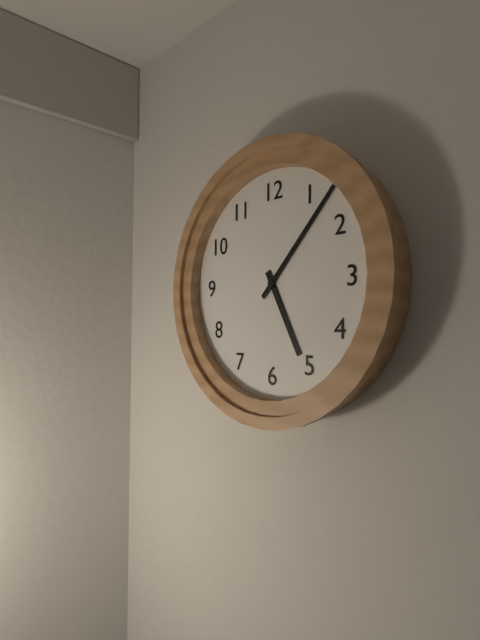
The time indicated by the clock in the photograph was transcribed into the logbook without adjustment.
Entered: 5:07
